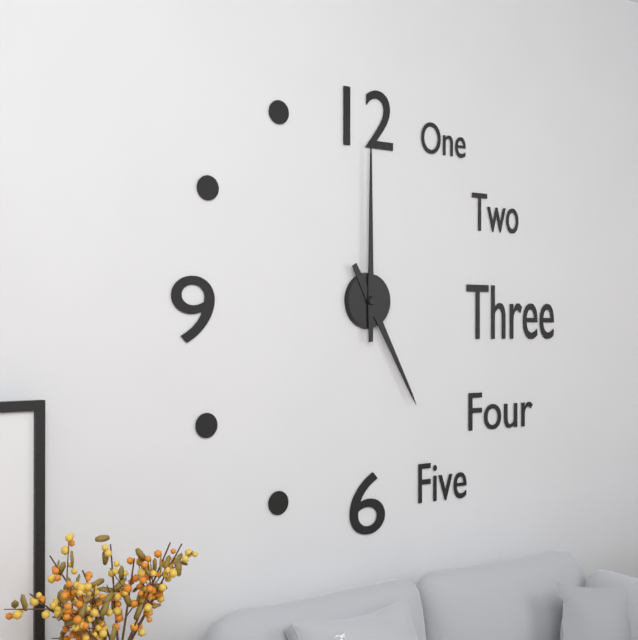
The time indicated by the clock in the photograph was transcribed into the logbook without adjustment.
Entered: 5:00
